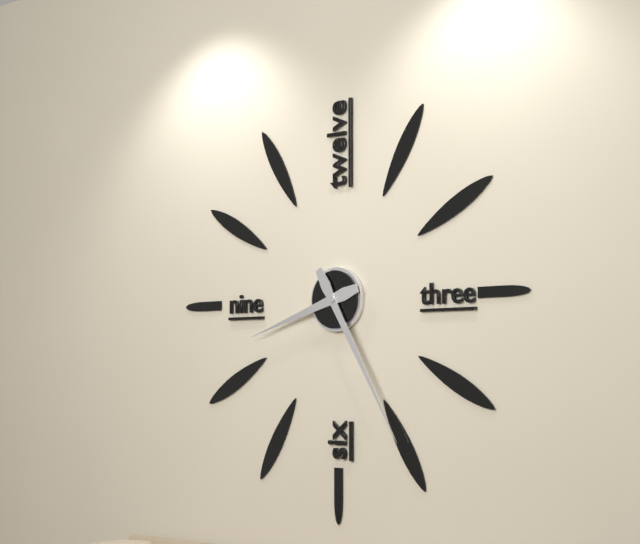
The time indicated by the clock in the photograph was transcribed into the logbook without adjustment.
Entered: 8:25
